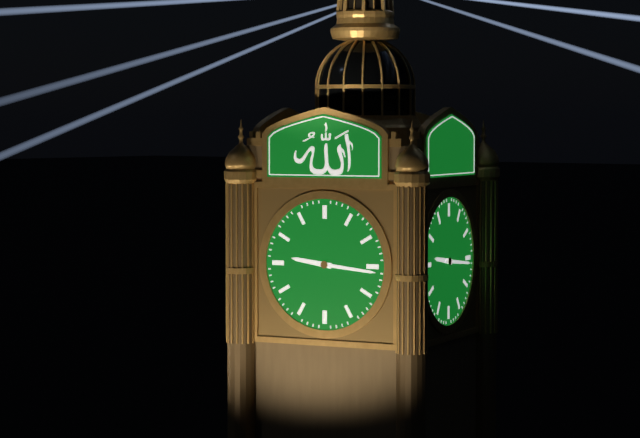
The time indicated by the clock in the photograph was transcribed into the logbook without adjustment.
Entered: 9:16
